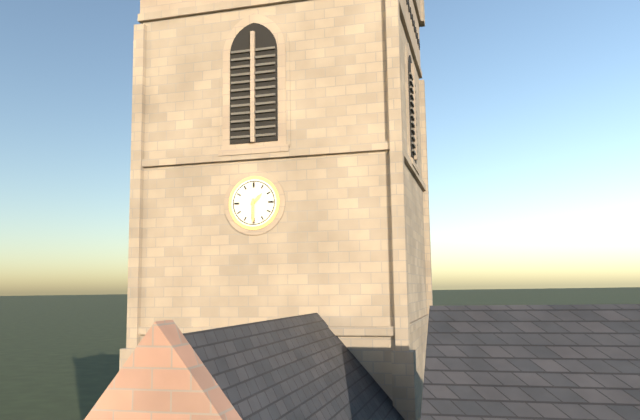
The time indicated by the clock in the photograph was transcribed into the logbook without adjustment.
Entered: 1:30
